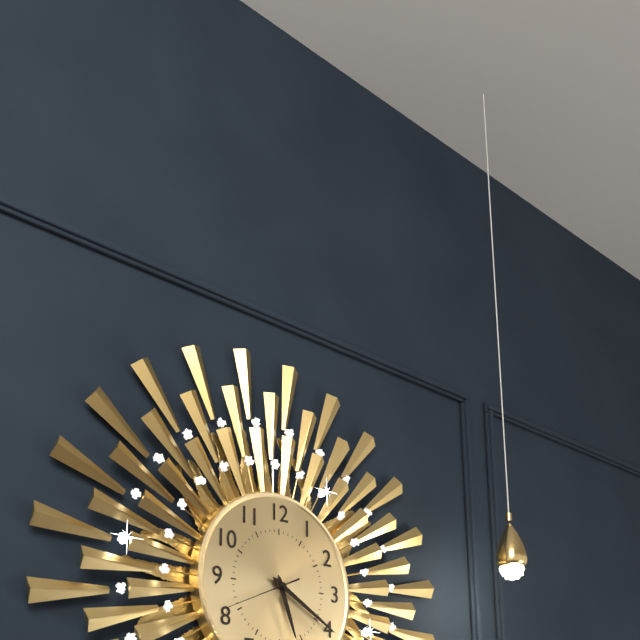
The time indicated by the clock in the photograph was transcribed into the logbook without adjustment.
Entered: 5:20:41
